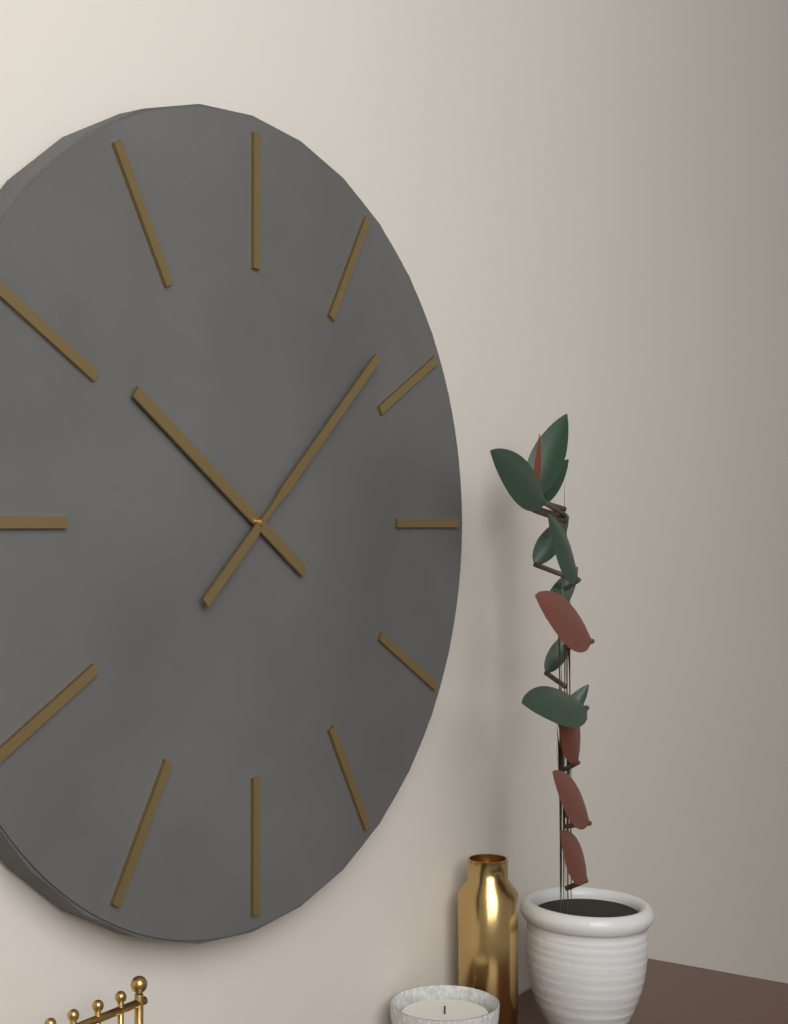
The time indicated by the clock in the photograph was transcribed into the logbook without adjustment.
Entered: 10:08
